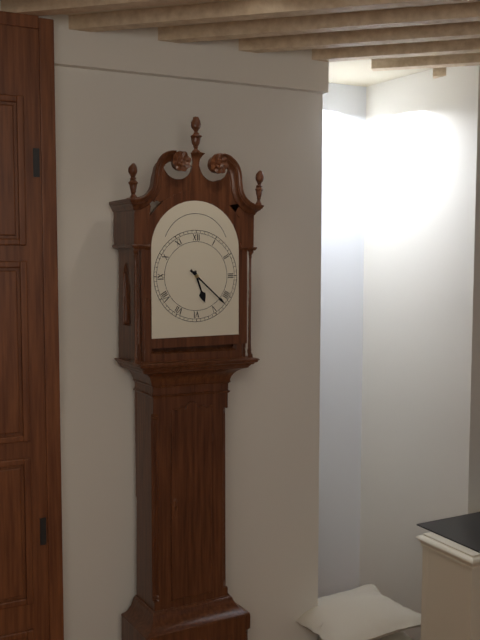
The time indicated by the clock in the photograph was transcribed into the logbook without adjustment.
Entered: 5:22
